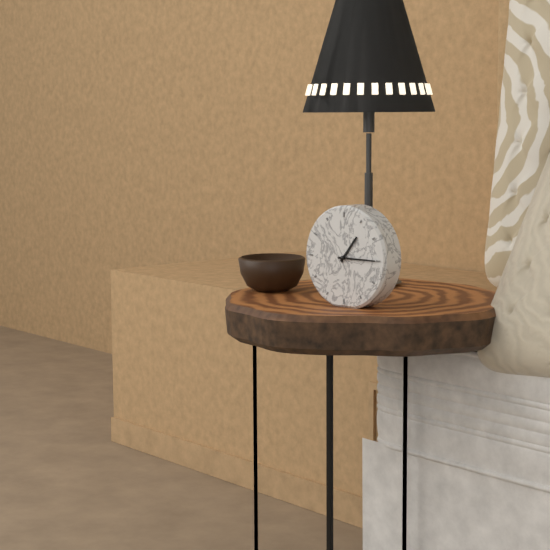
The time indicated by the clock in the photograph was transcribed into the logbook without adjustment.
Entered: 1:15
